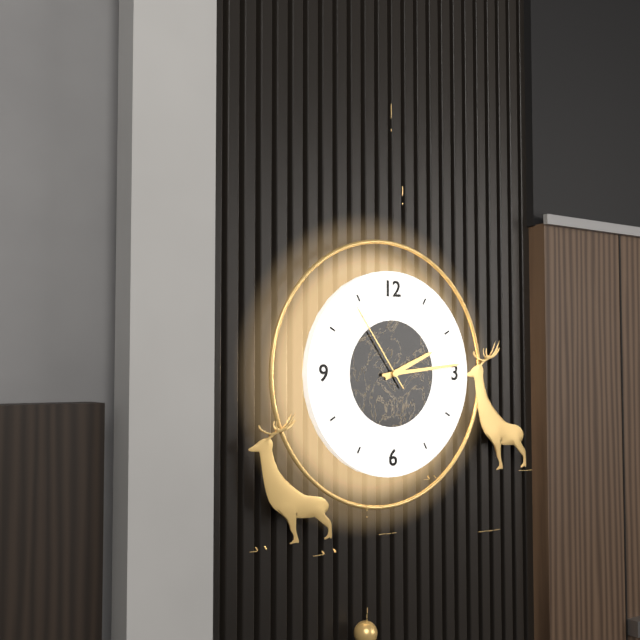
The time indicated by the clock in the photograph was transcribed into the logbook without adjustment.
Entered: 2:14:54
